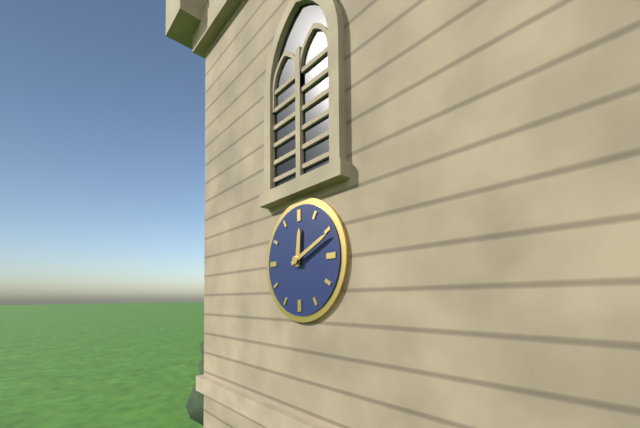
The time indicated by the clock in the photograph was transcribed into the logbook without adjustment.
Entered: 12:11
